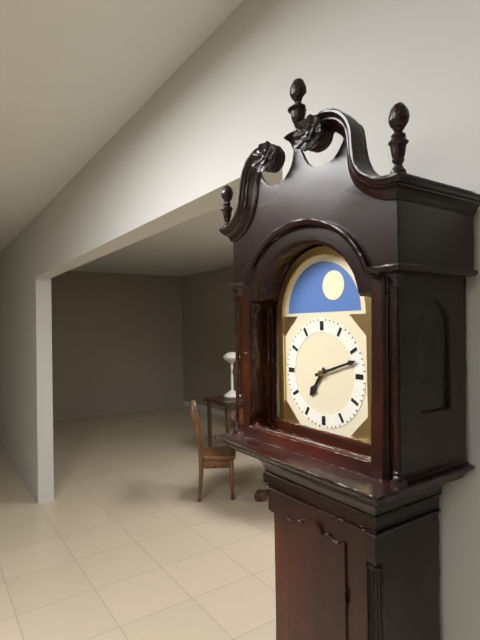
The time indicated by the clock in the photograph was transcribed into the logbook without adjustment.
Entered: 7:12
